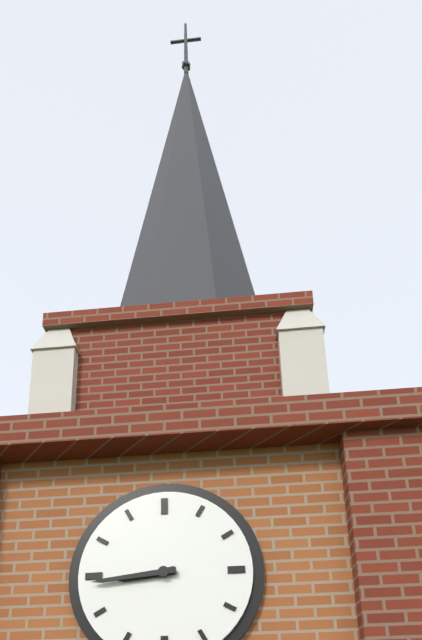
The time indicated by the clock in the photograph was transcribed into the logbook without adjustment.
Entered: 8:44
